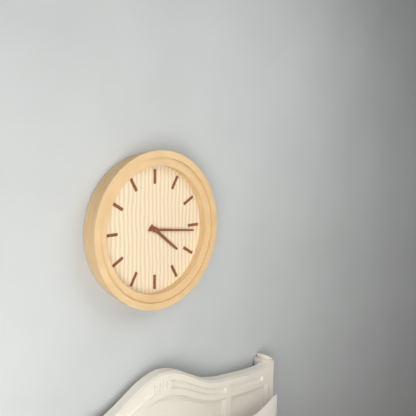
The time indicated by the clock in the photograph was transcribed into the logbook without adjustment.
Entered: 4:16
